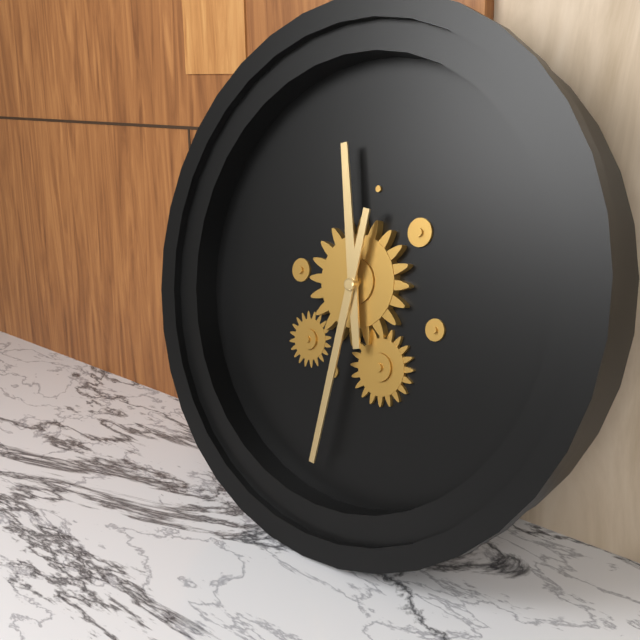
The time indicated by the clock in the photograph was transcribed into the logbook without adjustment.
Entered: 11:31
